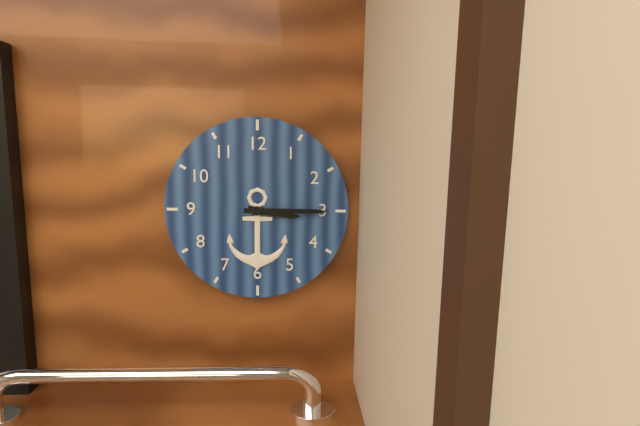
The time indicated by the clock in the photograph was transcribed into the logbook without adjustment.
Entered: 3:15
